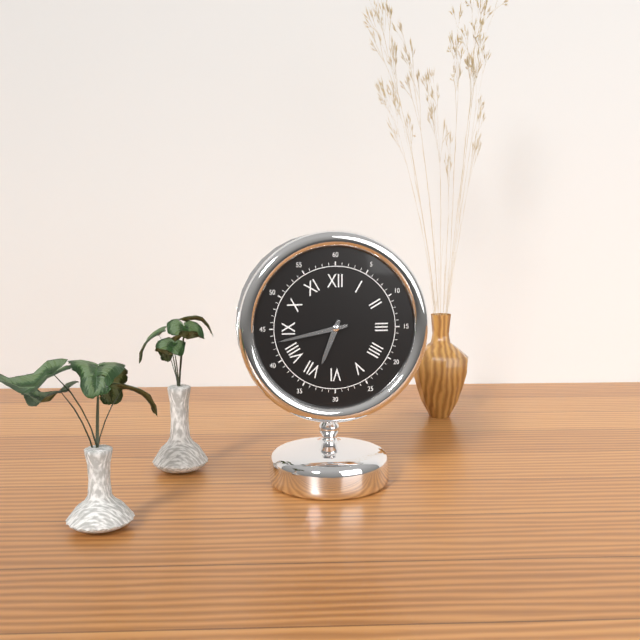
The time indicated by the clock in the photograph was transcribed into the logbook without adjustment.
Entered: 6:43
